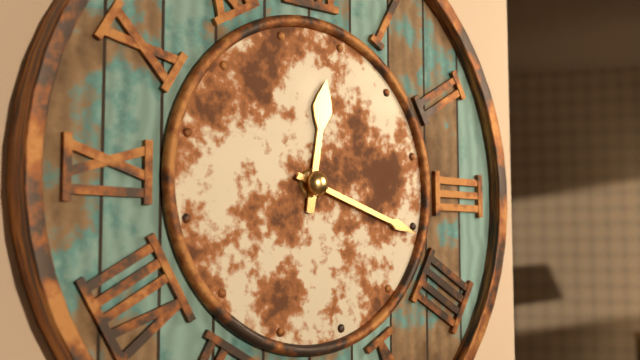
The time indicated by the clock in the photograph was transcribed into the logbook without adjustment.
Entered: 12:18
